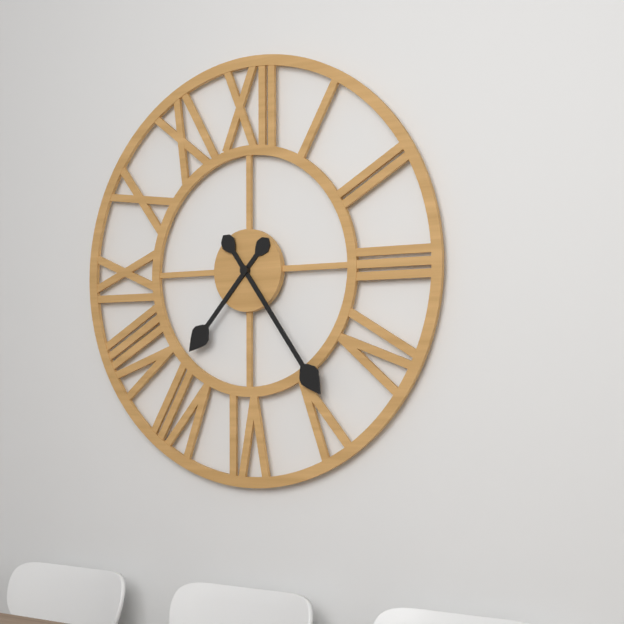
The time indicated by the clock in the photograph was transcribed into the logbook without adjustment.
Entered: 7:24
